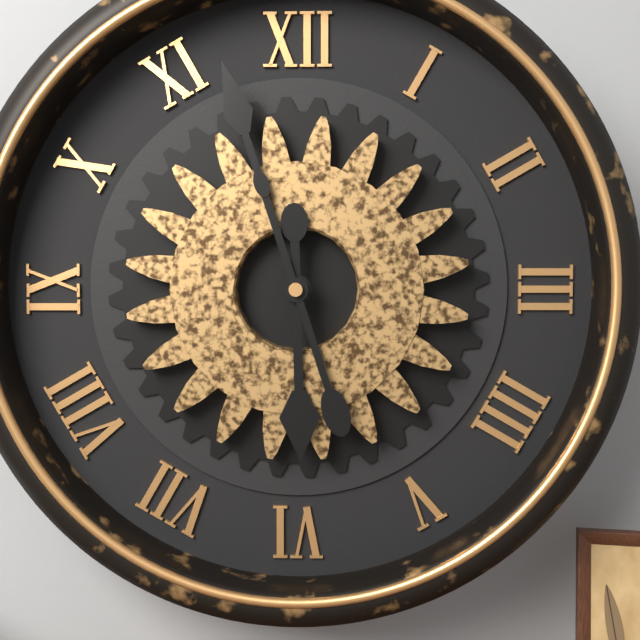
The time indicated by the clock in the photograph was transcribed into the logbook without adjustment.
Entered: 5:57
